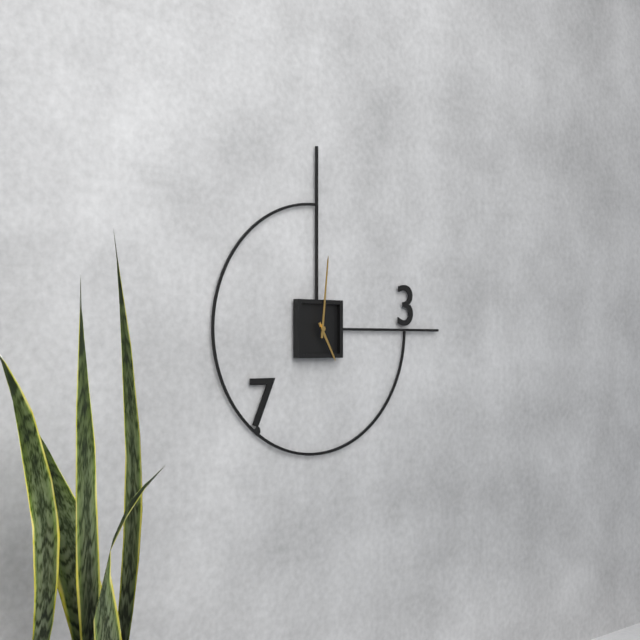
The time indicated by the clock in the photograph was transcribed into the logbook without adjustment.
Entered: 5:01
